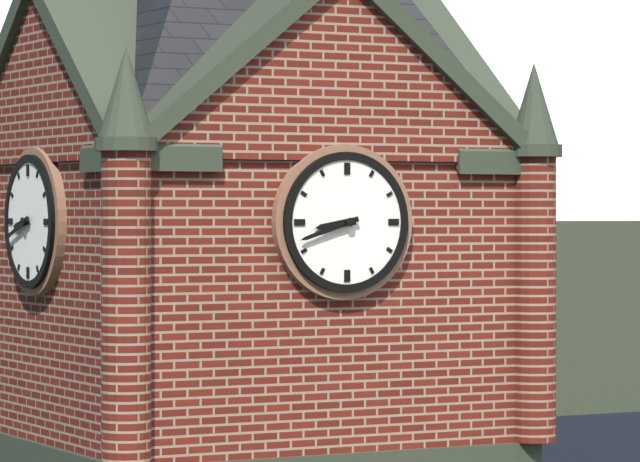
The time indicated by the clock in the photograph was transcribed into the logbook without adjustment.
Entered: 8:42
